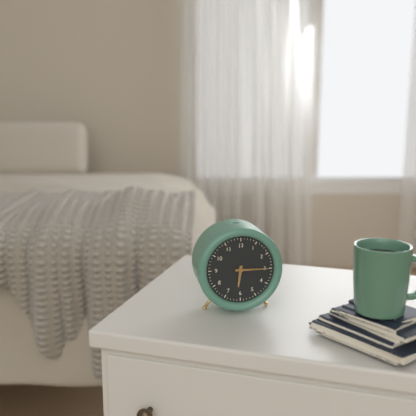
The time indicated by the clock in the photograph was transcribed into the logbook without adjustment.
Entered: 6:15
